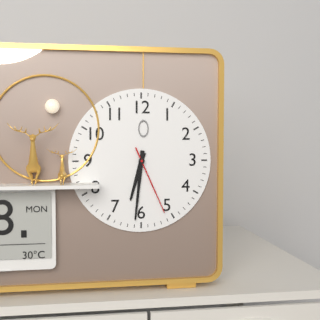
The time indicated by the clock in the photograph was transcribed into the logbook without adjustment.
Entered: 6:31:26
